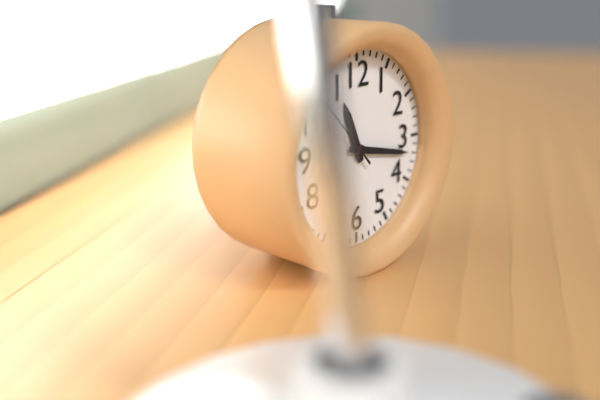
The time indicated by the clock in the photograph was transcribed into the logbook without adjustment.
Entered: 11:17
